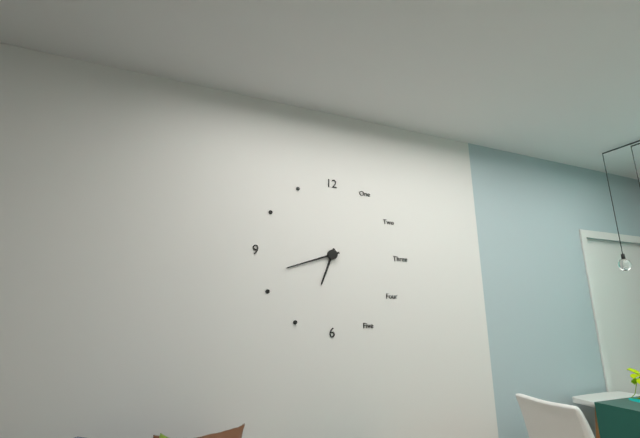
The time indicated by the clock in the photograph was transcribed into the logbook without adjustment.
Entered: 6:42
